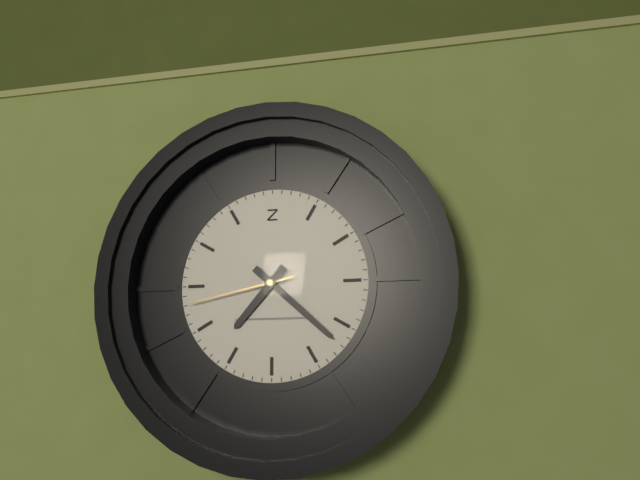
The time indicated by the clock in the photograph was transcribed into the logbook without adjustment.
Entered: 7:22:43
